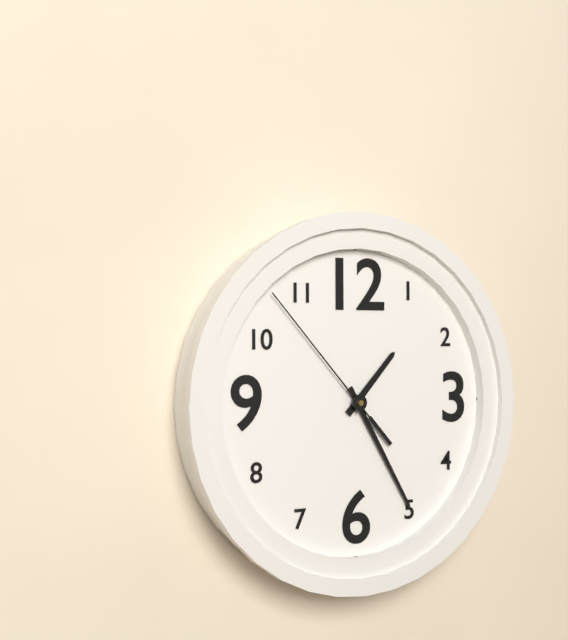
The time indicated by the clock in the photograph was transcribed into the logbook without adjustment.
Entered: 1:25:53
